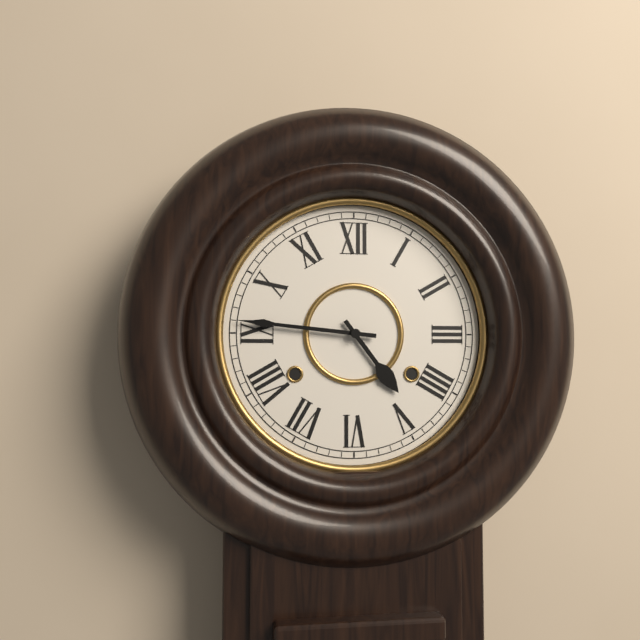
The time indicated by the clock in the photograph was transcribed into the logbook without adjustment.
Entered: 4:46
